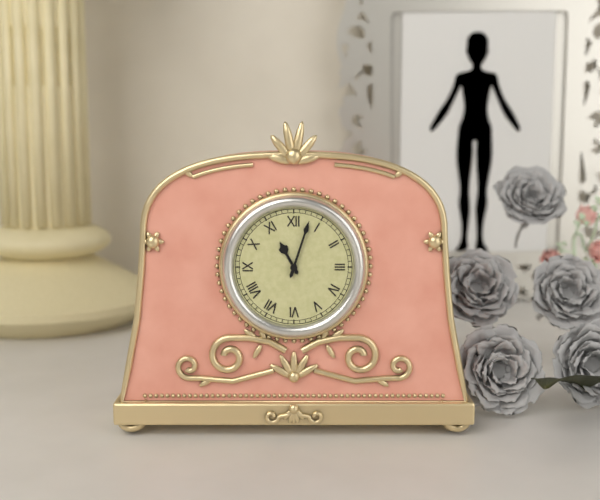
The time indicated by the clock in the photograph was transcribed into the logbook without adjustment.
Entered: 11:03
